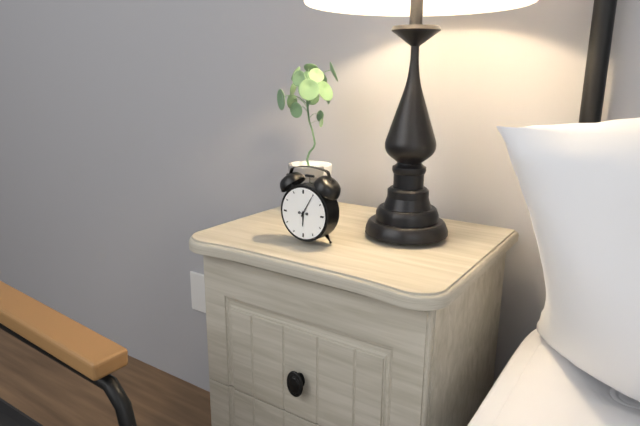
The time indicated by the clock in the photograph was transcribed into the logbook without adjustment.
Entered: 6:05
